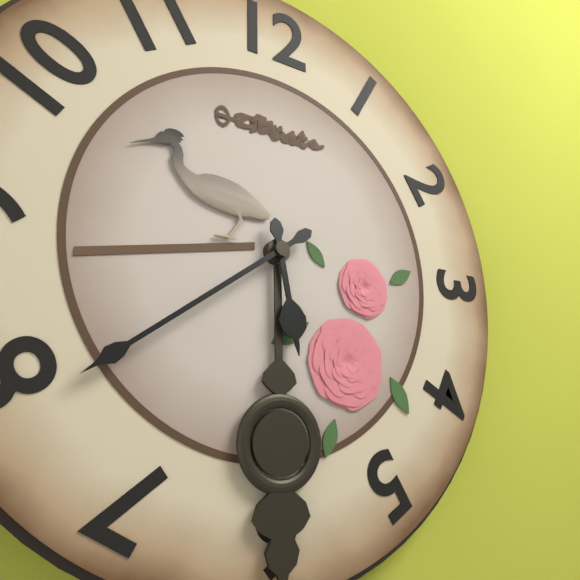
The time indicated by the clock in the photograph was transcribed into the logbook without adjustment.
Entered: 5:39
